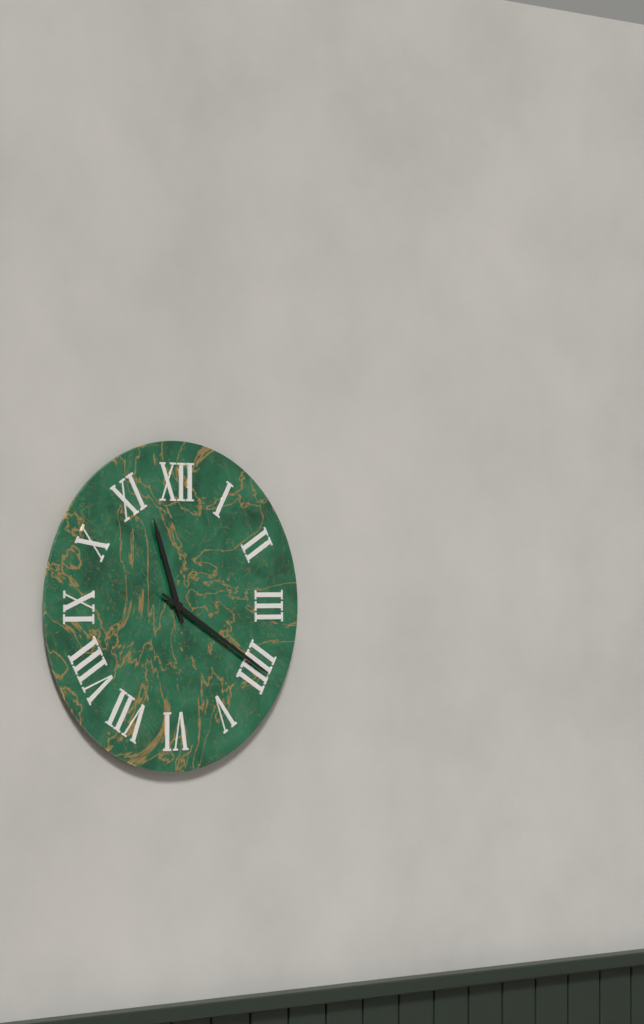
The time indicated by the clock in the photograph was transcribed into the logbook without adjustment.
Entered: 11:20
